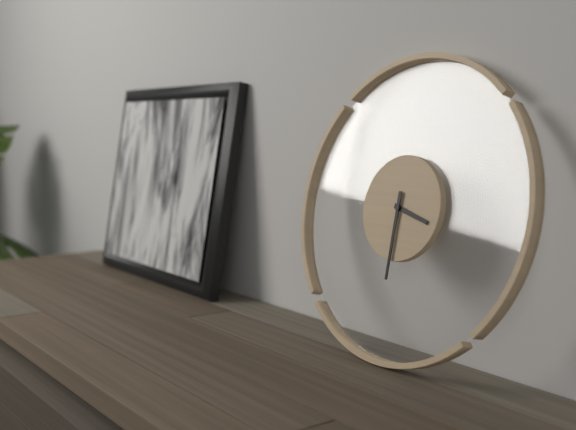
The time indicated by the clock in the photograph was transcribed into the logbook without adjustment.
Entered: 3:30
